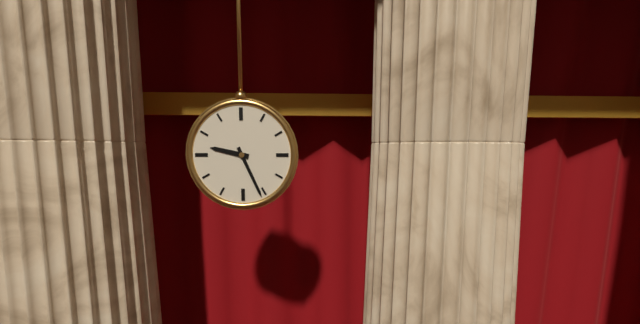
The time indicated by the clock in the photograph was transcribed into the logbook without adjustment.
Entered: 9:26
